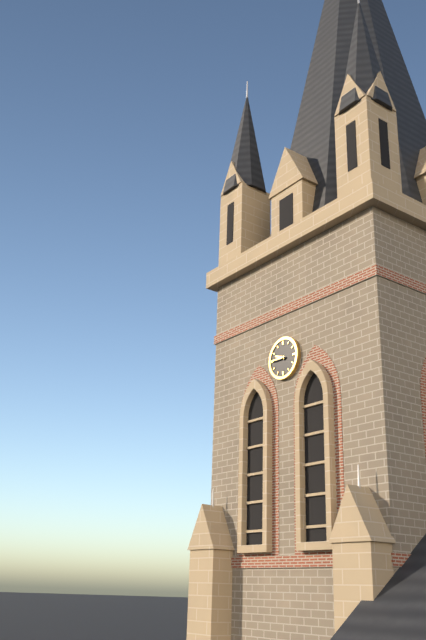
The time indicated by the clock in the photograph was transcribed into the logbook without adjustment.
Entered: 9:45
